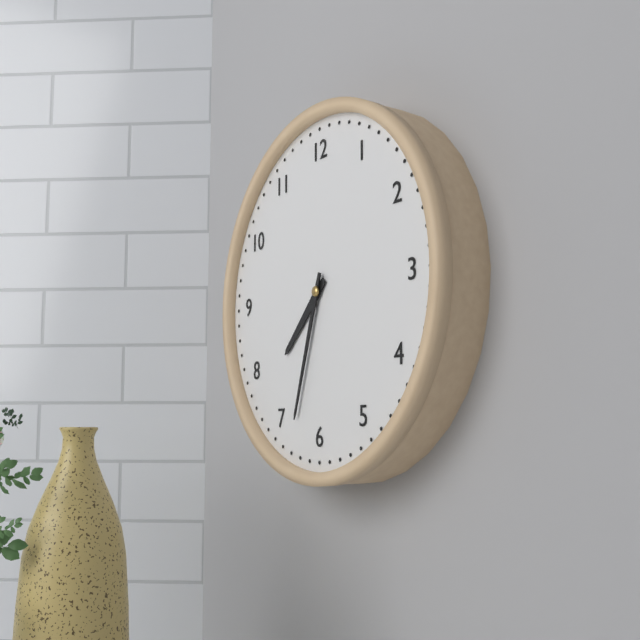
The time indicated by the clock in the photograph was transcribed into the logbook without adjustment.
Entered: 7:33
